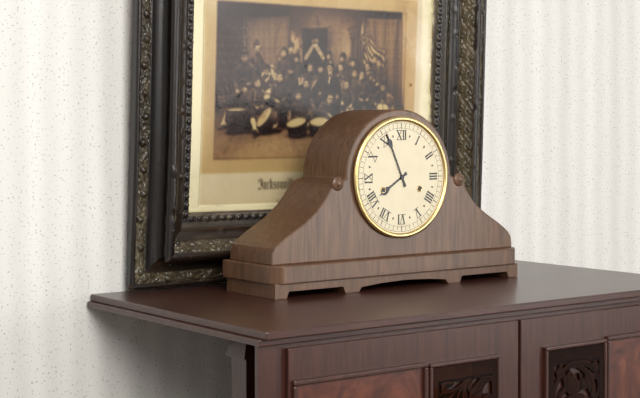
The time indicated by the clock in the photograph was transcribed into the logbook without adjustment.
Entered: 7:56
